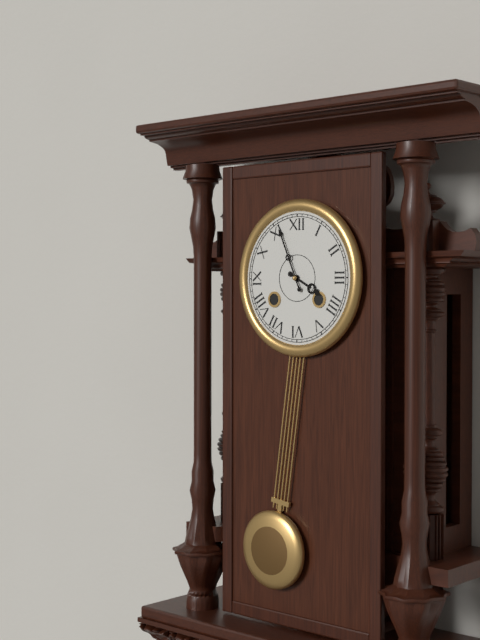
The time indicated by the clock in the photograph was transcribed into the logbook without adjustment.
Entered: 3:56
